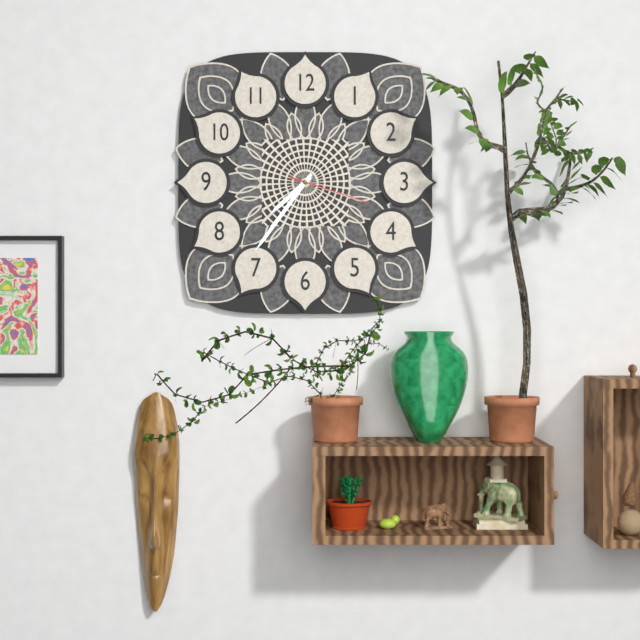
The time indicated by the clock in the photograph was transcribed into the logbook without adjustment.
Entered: 7:36:18
